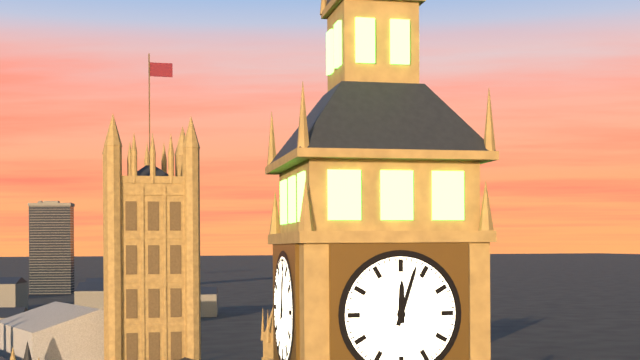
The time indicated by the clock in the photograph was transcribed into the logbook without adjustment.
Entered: 12:03
